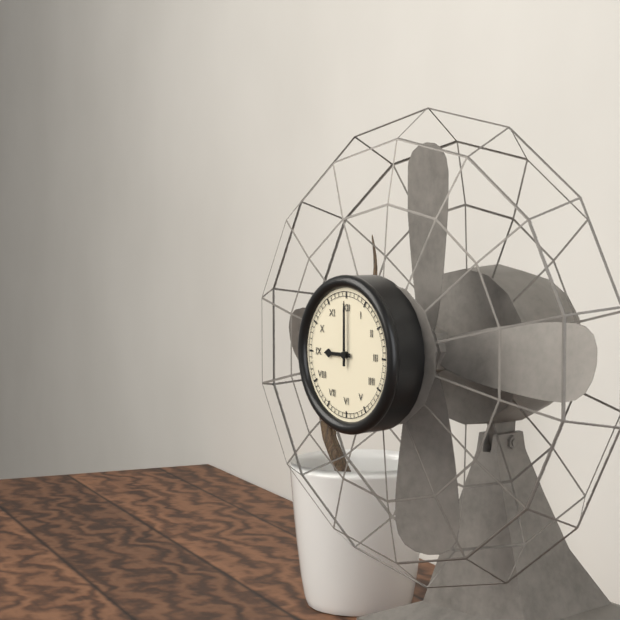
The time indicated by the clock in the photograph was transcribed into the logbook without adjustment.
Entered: 9:00
